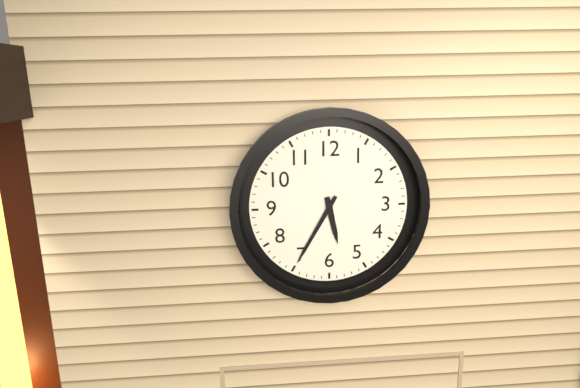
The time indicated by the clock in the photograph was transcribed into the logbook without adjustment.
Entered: 5:35
